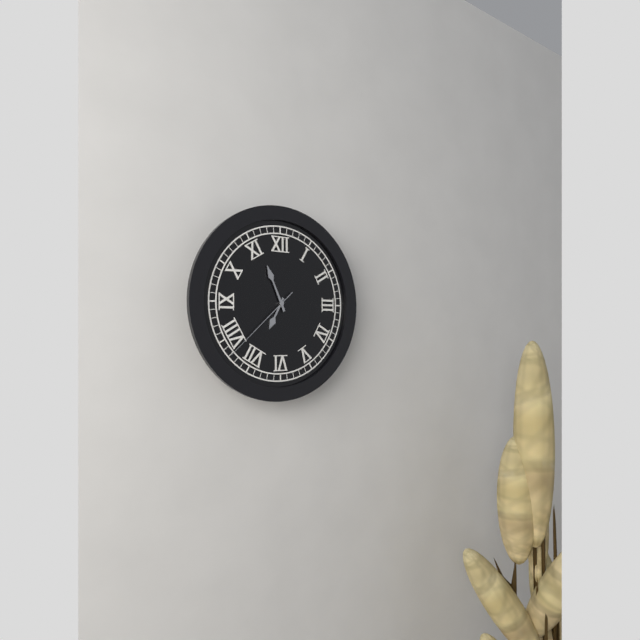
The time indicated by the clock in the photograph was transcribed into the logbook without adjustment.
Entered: 6:56:38
